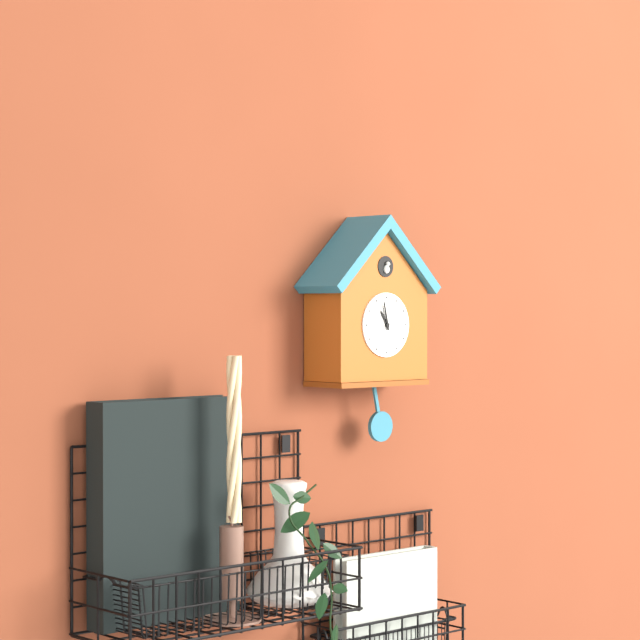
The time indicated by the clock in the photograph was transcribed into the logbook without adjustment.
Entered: 10:58
